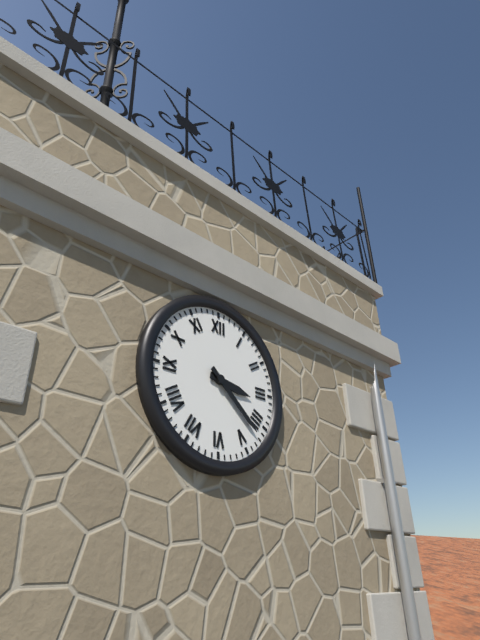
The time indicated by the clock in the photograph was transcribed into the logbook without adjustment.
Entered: 3:22
